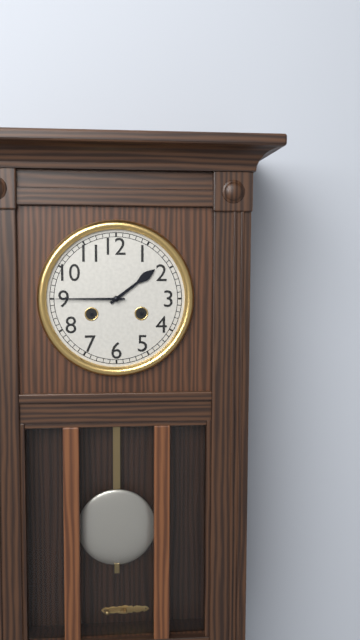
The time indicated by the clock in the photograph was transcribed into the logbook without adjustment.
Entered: 1:45
